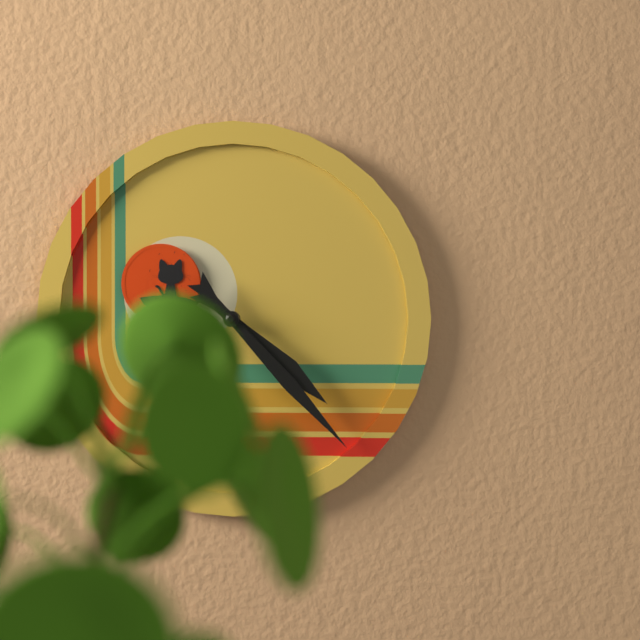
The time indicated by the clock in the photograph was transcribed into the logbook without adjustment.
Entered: 4:23
